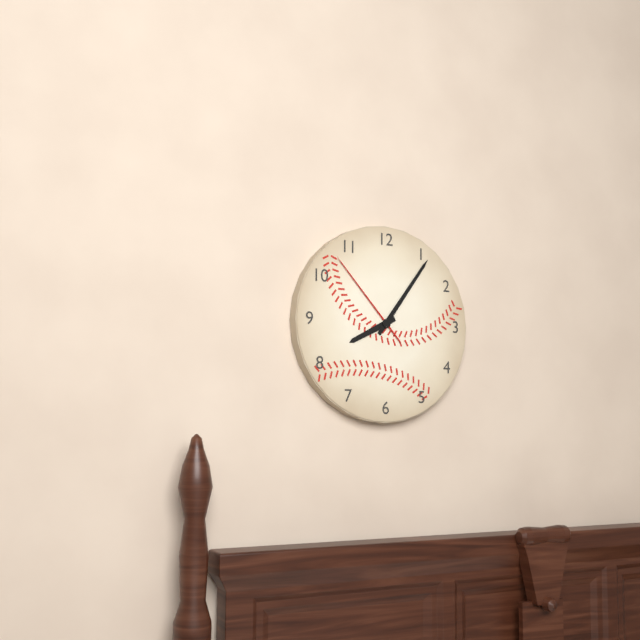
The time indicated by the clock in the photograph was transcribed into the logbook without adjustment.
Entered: 8:06:53
